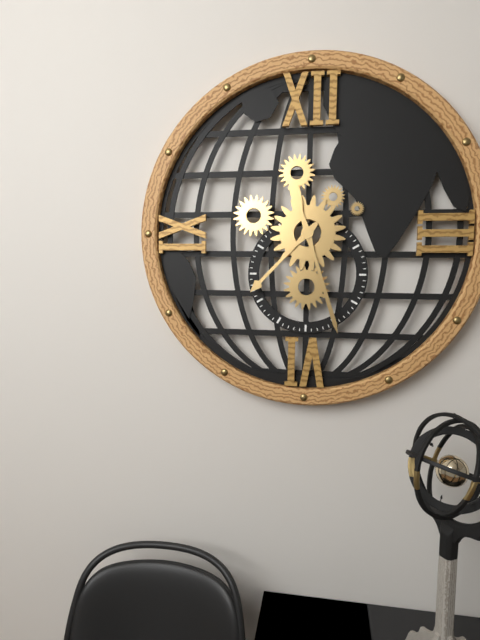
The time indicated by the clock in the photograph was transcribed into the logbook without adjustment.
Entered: 7:27
